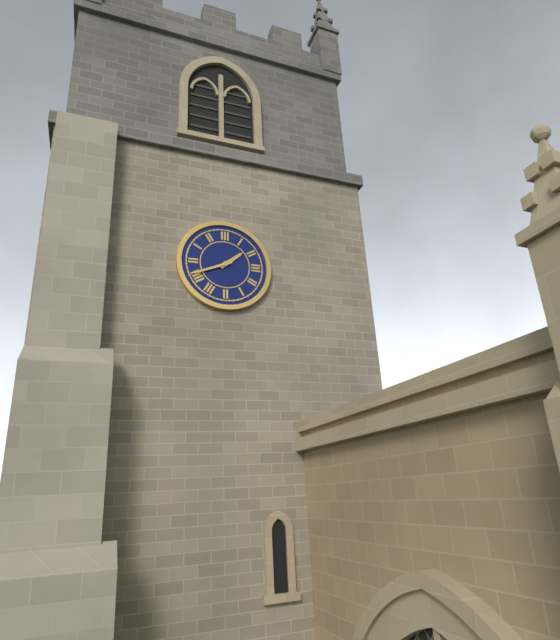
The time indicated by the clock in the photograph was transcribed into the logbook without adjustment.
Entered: 1:41
